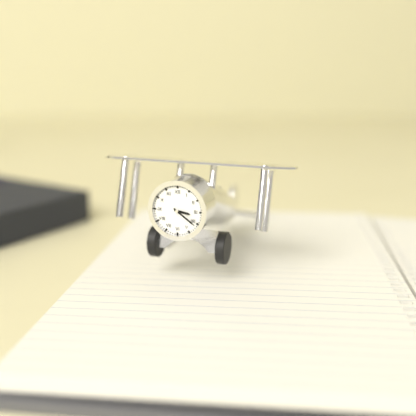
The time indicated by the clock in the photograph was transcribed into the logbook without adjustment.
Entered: 3:21
